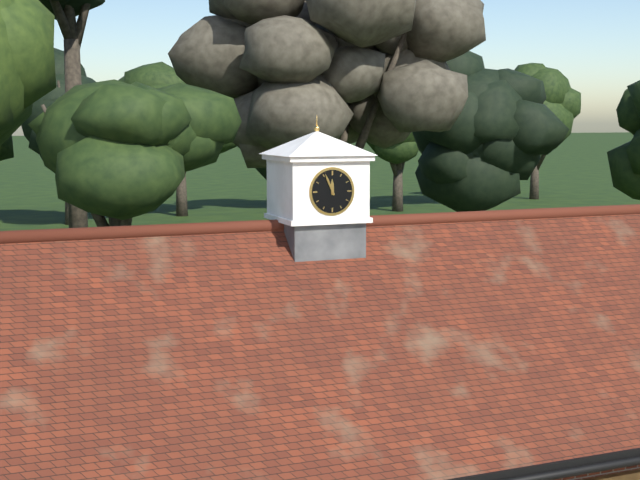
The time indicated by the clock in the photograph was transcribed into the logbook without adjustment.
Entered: 11:56
